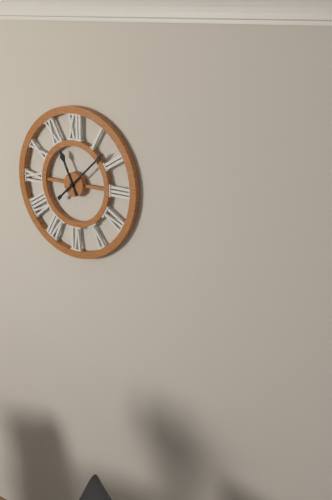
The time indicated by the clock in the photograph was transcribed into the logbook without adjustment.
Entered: 11:08
